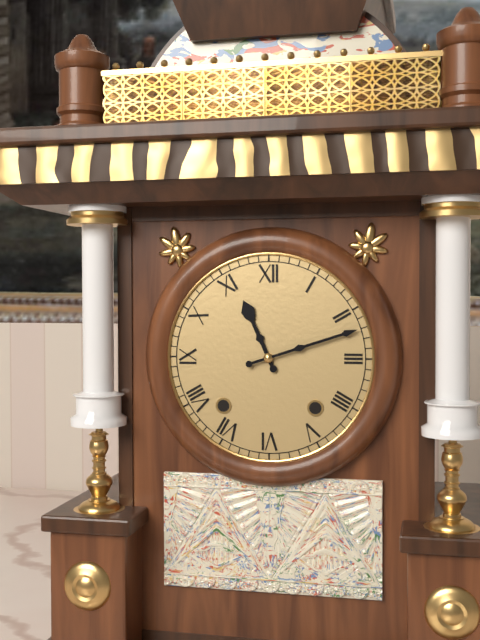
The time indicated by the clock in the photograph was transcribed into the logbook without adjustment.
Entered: 11:12
